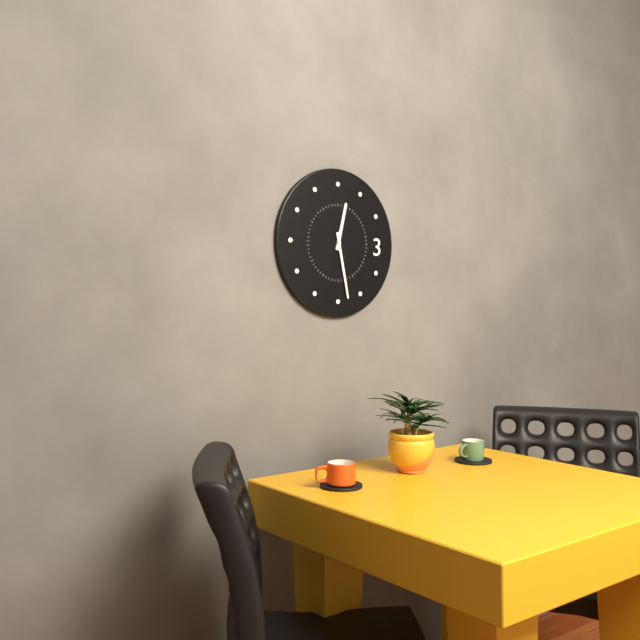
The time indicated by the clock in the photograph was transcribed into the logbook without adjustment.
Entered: 12:28
